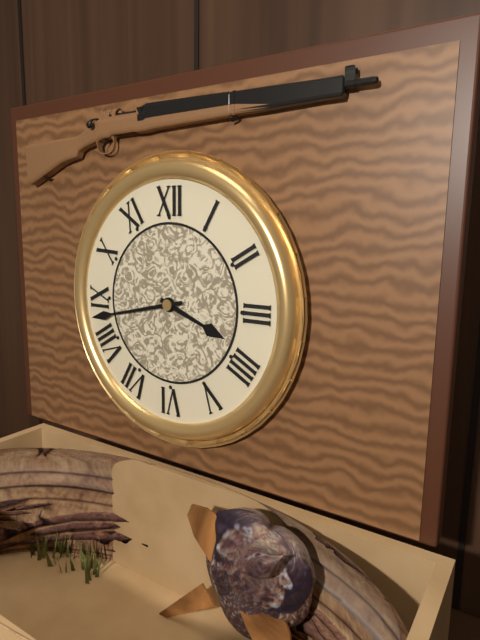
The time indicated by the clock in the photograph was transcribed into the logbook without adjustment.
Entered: 3:43
